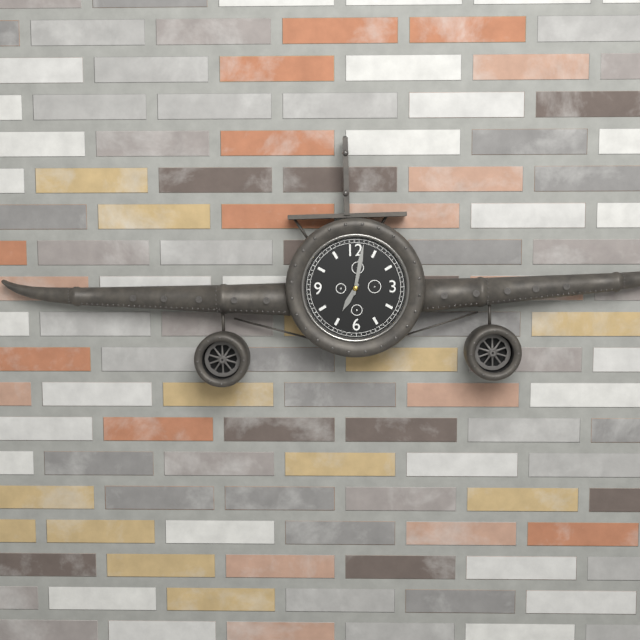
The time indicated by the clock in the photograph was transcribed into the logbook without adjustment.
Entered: 7:02
